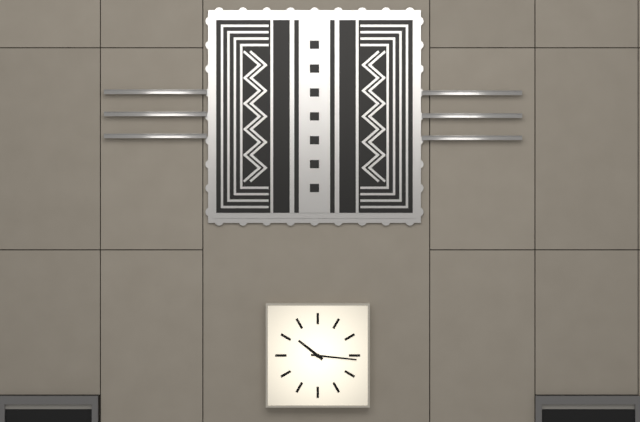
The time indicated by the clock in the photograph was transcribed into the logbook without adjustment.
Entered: 10:16
